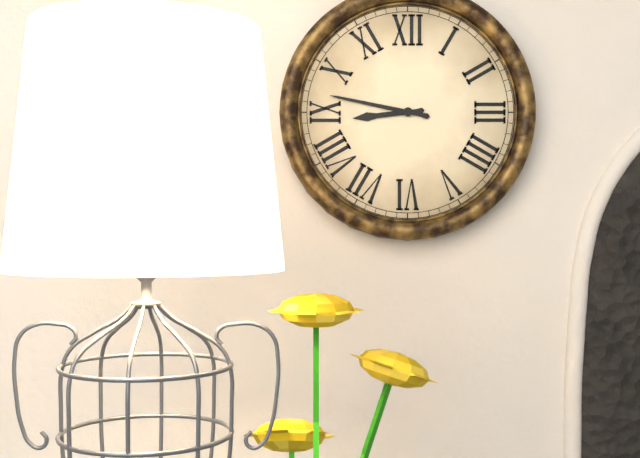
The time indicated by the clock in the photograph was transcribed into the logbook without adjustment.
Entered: 8:47
